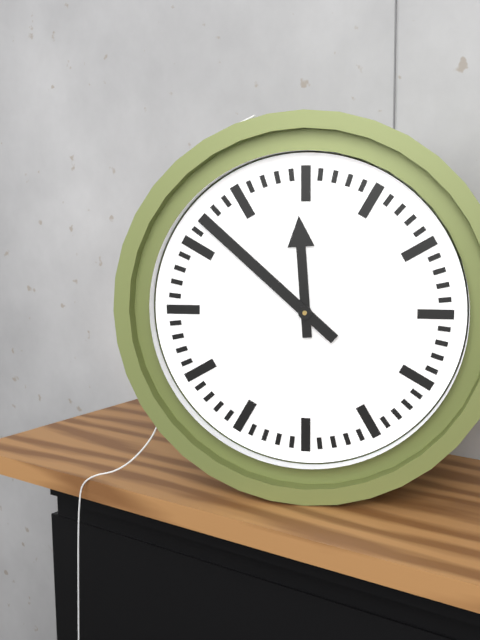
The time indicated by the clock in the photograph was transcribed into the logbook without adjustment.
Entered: 11:52
